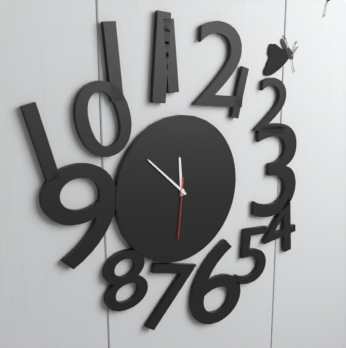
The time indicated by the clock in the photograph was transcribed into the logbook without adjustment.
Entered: 11:52:31
